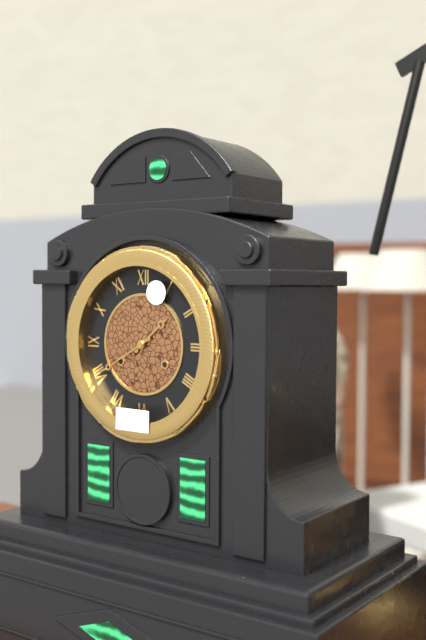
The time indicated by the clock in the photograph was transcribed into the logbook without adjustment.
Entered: 1:40
